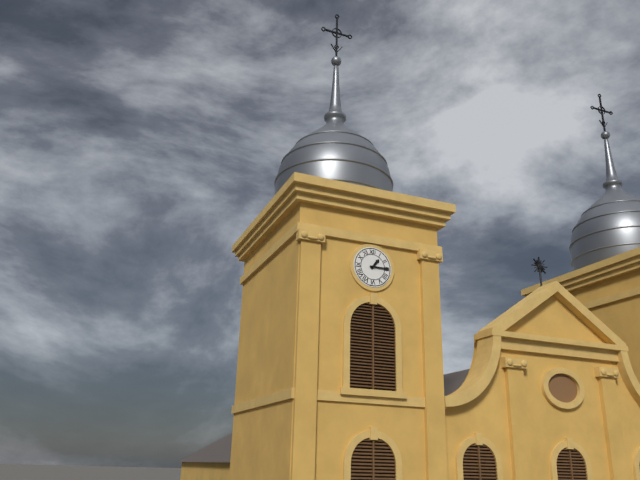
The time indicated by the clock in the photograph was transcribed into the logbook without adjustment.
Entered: 1:15
